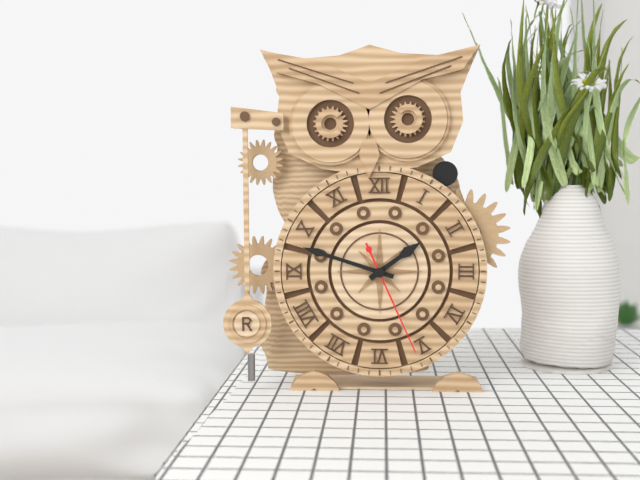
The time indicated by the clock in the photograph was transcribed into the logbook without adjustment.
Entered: 1:48:26
